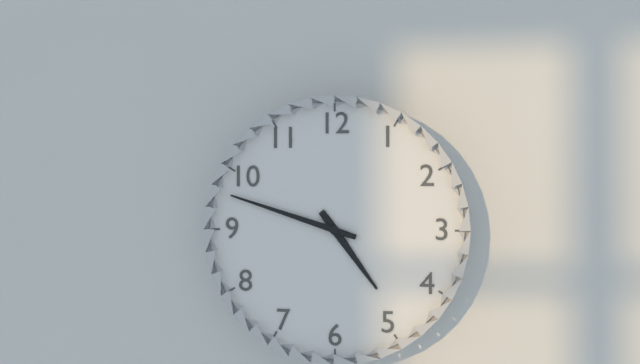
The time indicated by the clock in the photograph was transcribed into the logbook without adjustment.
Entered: 4:48
